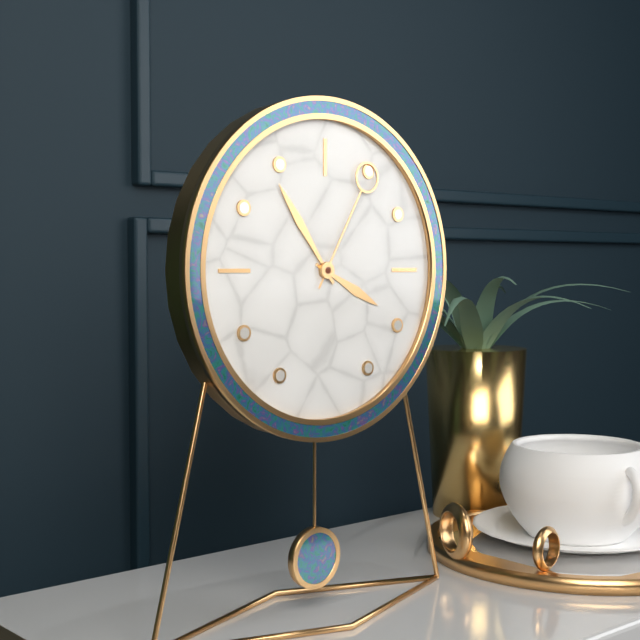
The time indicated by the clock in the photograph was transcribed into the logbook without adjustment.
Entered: 3:54:05
